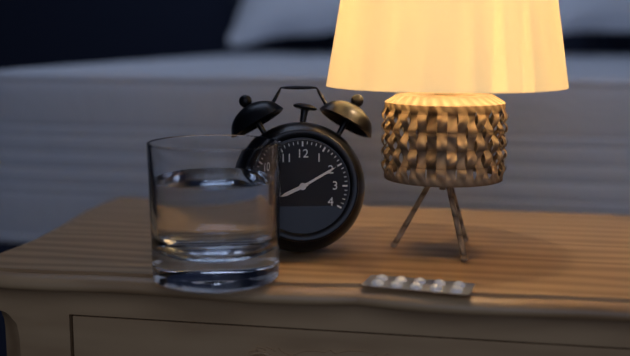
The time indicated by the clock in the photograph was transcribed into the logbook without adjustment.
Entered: 8:10
